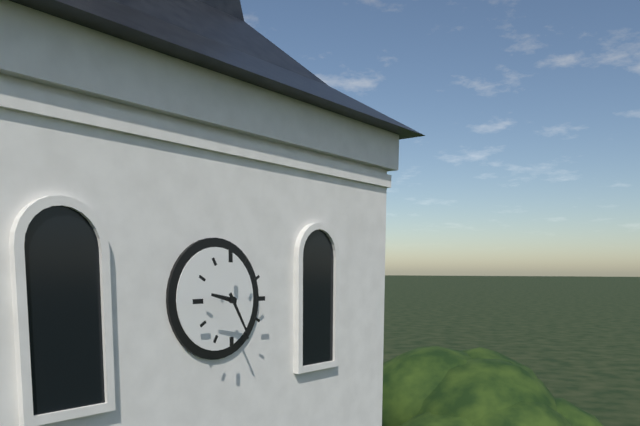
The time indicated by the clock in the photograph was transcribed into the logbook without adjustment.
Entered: 9:25
